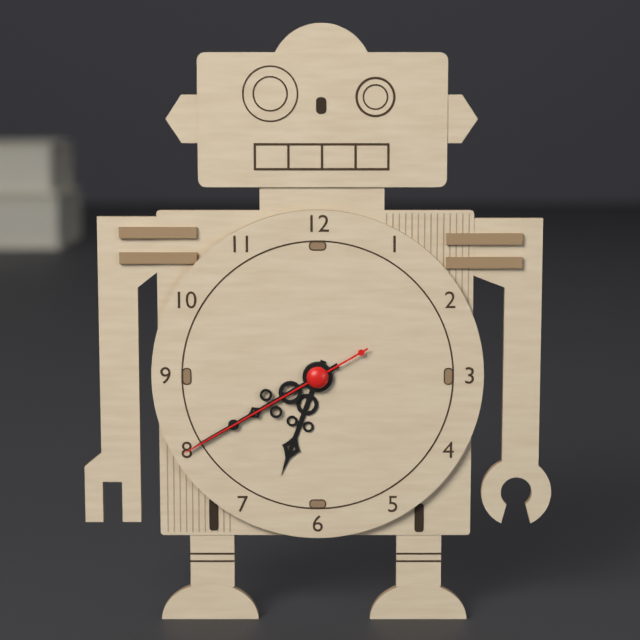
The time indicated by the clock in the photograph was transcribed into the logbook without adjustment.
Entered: 6:40:40
